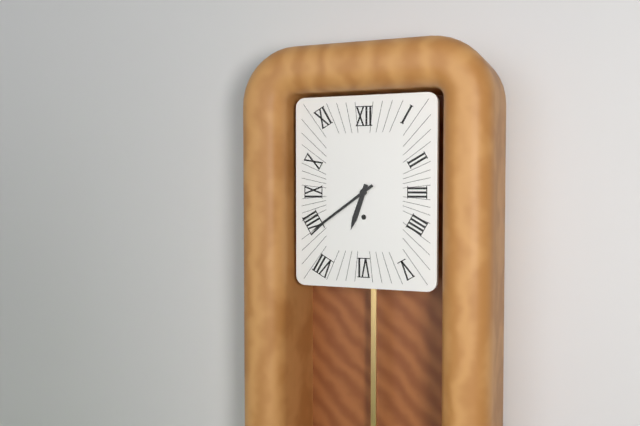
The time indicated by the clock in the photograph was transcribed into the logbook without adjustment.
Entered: 6:39
